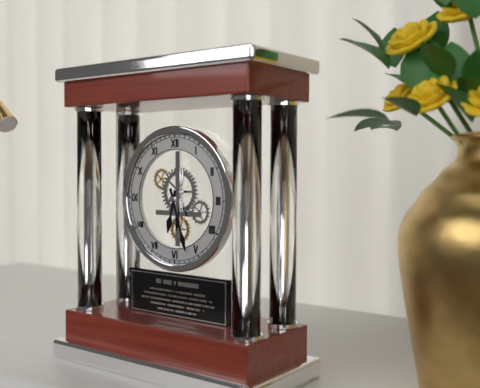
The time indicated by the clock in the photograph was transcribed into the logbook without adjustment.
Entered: 6:27
